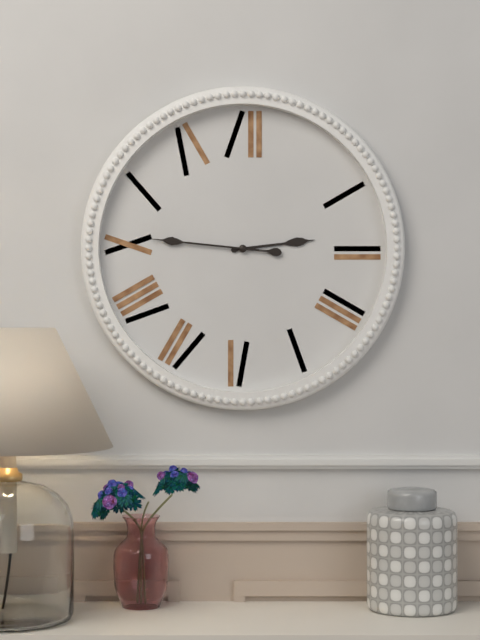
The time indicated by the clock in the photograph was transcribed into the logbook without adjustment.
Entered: 2:46
